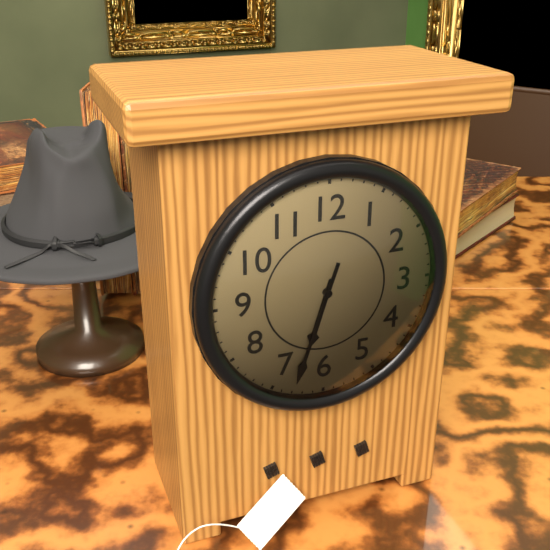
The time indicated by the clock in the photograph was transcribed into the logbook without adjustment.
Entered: 6:33
